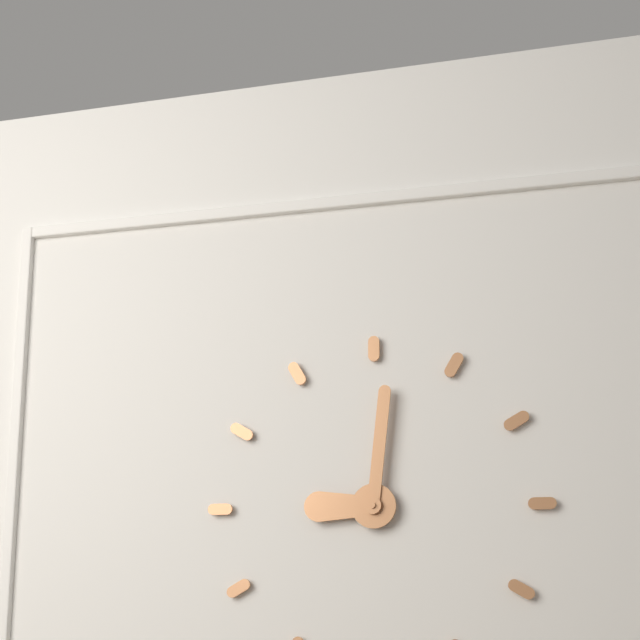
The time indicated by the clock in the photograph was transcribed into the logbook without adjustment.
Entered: 9:01
